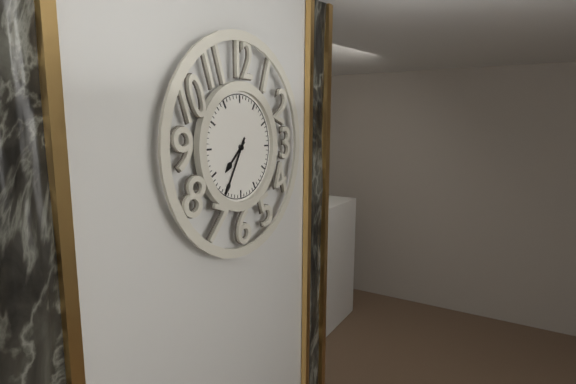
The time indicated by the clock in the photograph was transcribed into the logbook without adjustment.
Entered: 7:35
